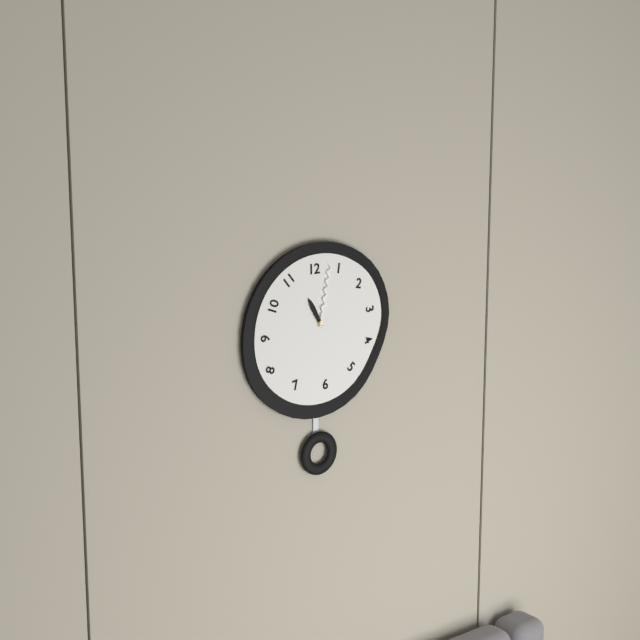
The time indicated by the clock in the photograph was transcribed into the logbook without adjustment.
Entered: 11:02
